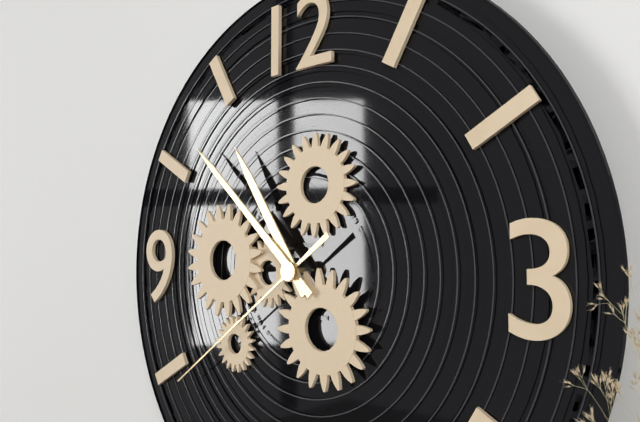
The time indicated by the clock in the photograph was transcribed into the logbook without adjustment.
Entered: 10:52:39
